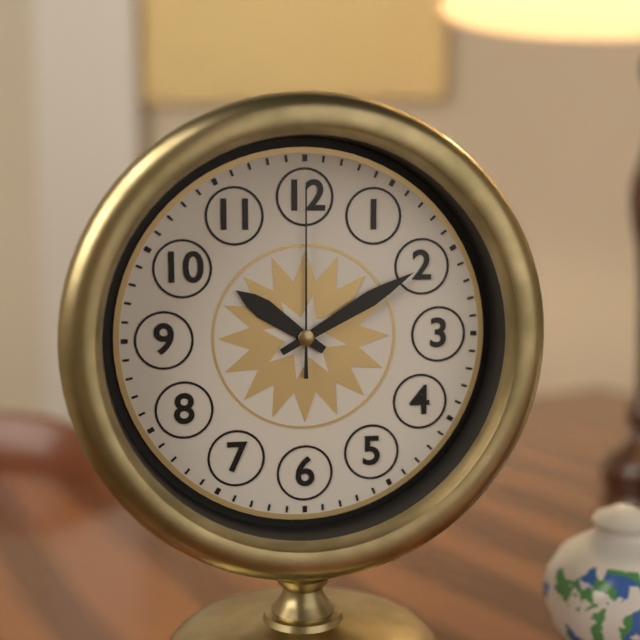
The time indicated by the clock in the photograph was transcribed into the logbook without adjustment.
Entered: 10:10:00
